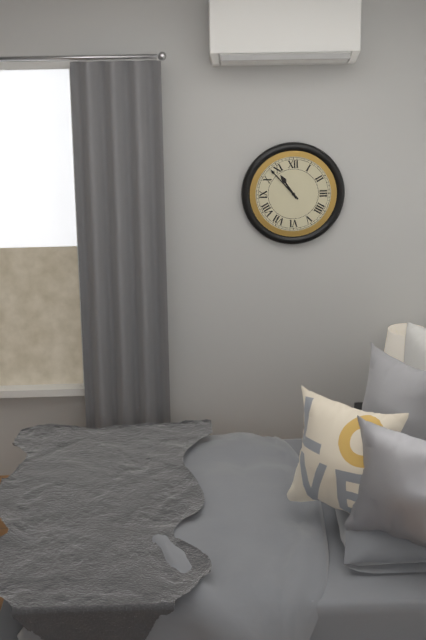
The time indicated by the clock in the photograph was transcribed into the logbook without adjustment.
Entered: 10:53
